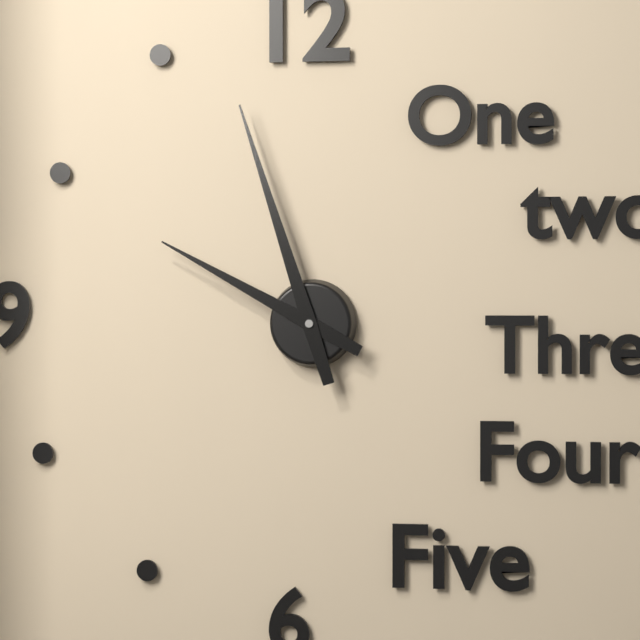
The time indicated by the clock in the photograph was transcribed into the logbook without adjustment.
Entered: 9:57
